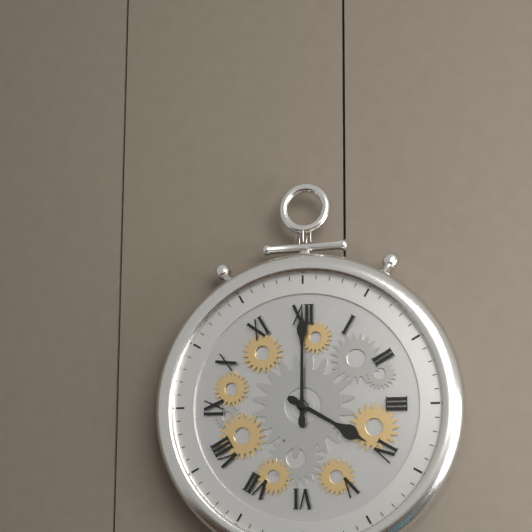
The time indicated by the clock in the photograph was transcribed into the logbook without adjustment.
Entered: 4:00
